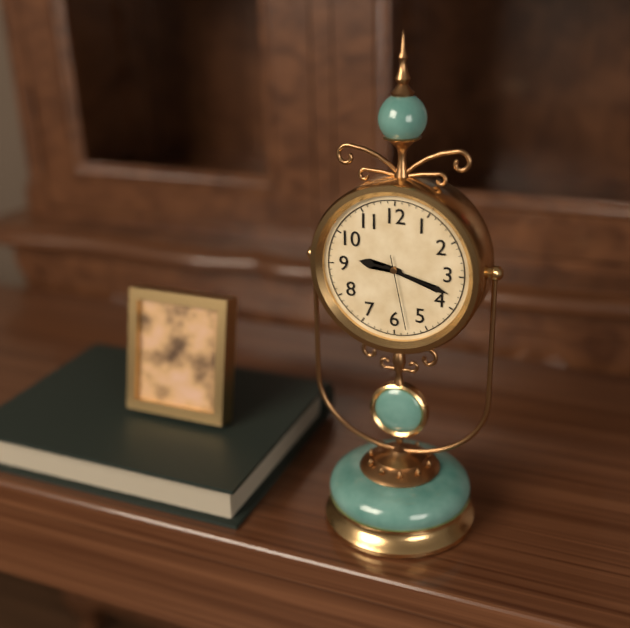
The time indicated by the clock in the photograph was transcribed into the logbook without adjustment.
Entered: 9:18:28
